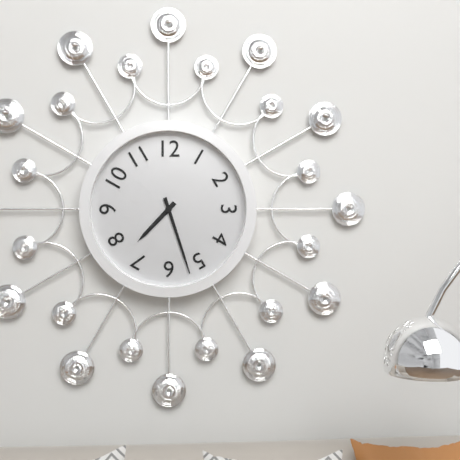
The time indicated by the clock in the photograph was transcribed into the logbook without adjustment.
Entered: 7:27
